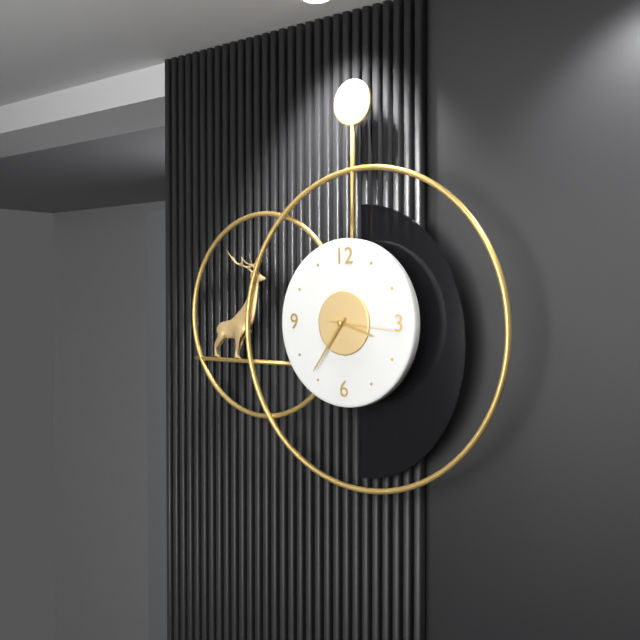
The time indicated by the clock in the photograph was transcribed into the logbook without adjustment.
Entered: 3:36:16
